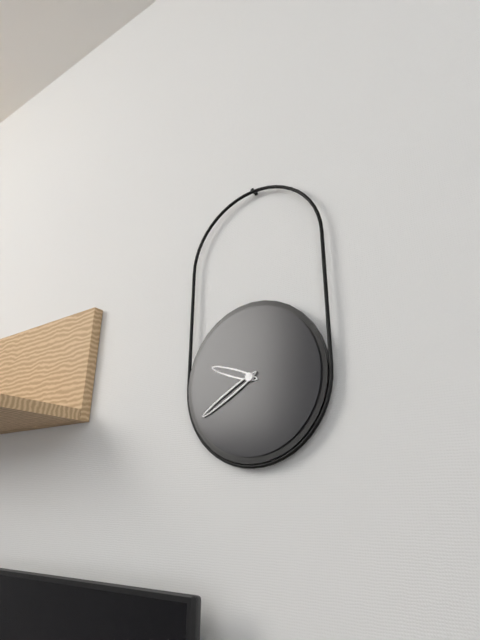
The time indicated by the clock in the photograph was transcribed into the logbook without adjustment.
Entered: 9:40
